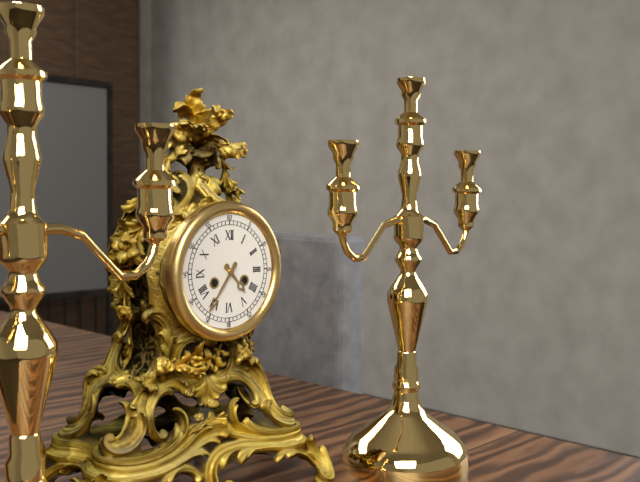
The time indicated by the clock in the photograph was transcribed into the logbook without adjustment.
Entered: 4:36
